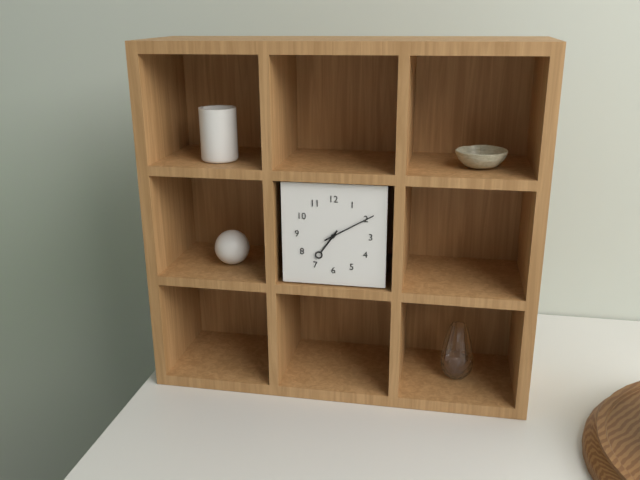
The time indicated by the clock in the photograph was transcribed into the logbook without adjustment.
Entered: 7:10
